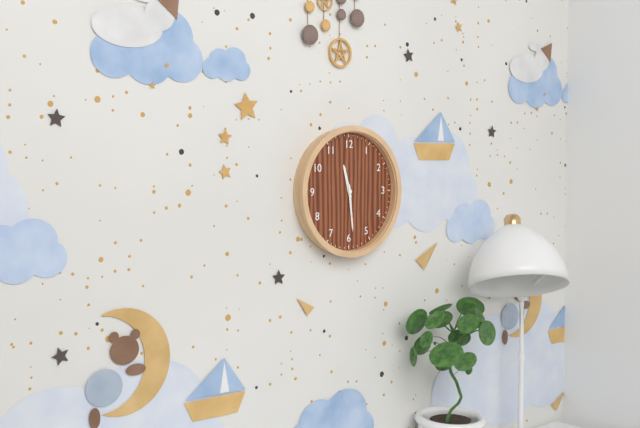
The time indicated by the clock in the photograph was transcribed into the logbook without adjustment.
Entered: 11:29
